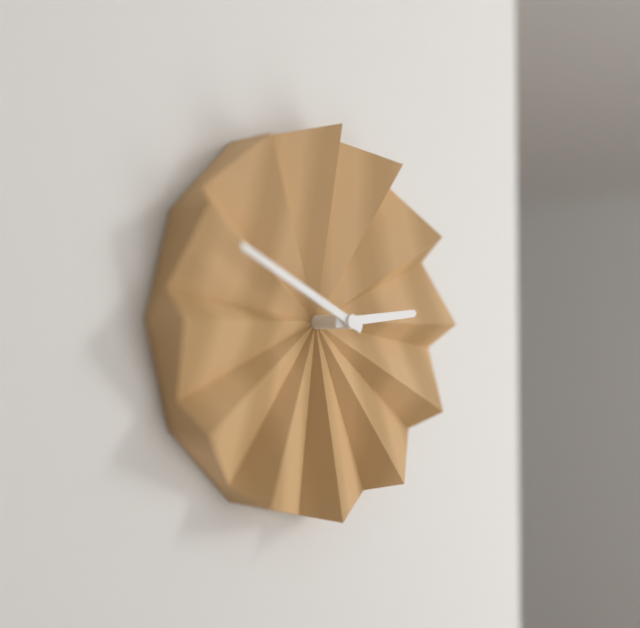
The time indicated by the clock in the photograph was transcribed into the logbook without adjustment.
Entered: 2:49
